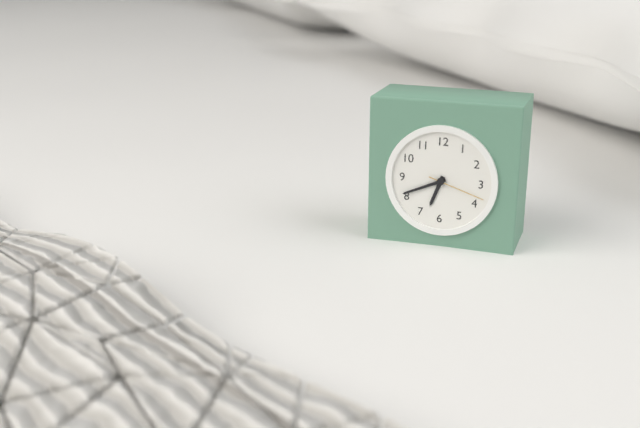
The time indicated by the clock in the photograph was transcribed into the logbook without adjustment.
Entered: 6:41:18
